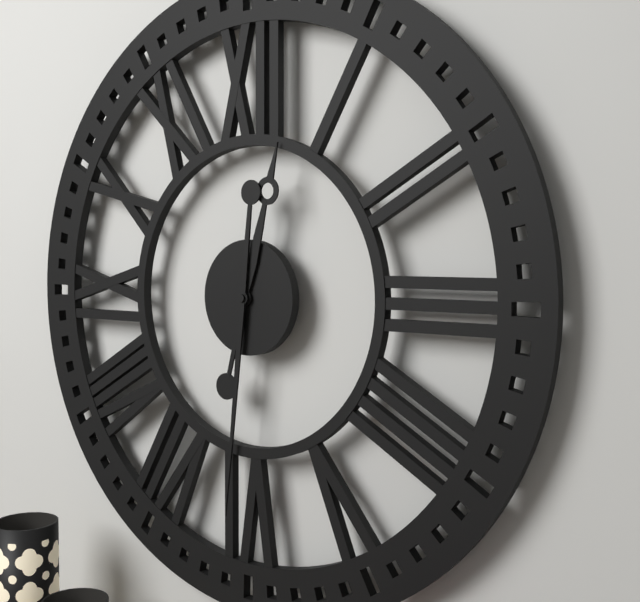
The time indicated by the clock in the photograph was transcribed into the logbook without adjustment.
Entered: 12:31
